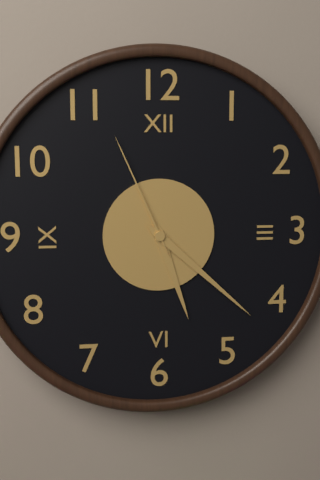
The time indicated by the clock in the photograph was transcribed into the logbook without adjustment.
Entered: 5:22:56
